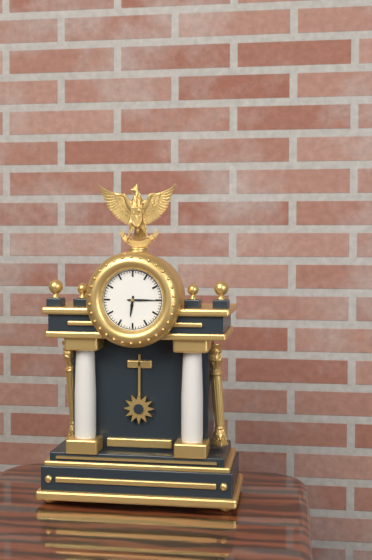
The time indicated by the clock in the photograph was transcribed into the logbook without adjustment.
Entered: 6:15
